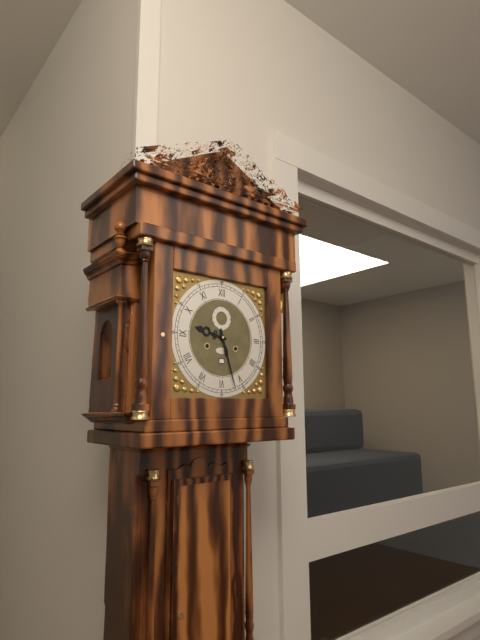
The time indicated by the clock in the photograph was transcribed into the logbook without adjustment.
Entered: 9:27
